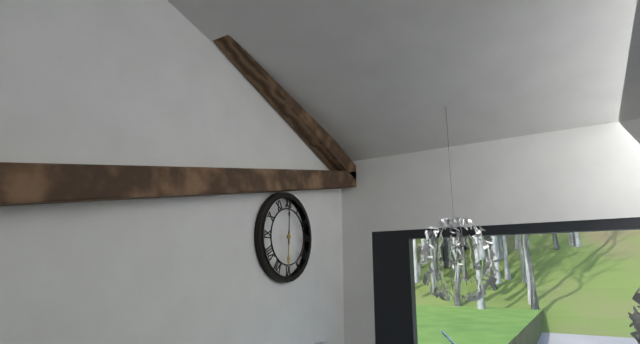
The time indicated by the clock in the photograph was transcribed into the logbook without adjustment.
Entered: 6:00
